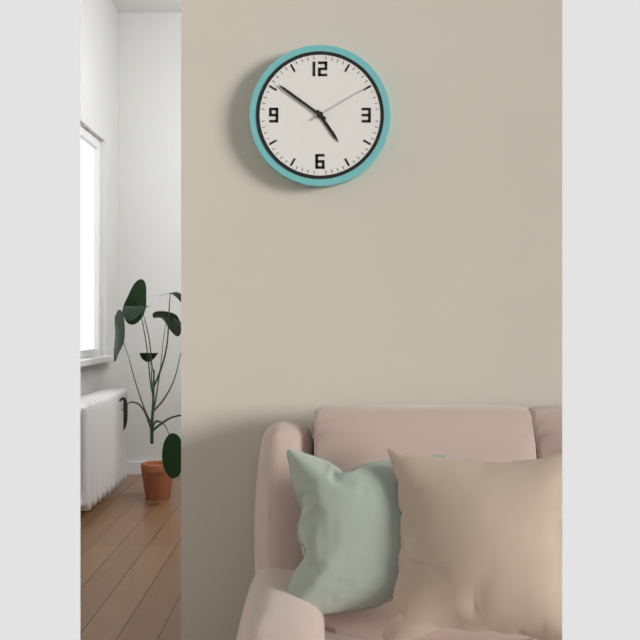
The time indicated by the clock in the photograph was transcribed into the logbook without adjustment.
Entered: 4:51:10
